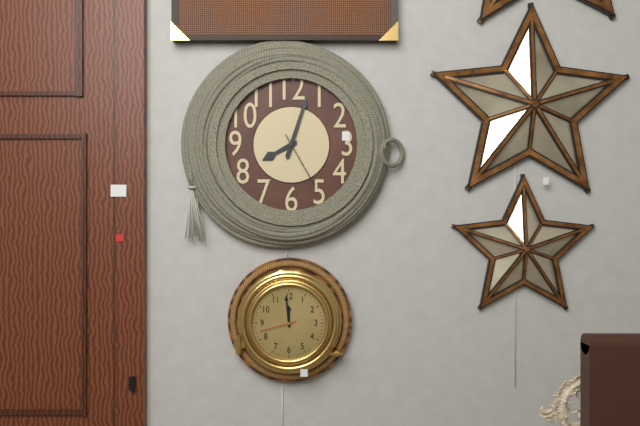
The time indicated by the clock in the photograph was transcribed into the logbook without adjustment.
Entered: 8:03:25
